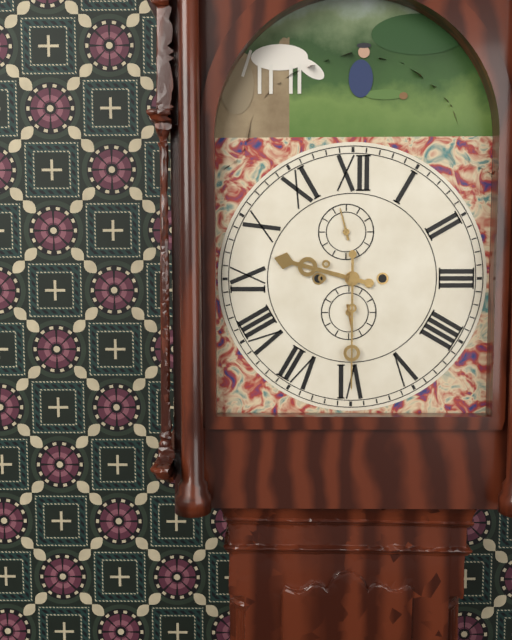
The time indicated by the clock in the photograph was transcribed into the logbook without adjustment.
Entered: 9:30
